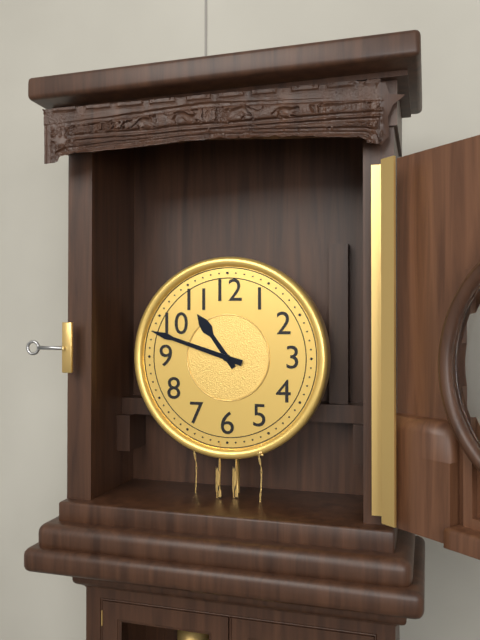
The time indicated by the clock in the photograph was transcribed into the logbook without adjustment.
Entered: 10:48
